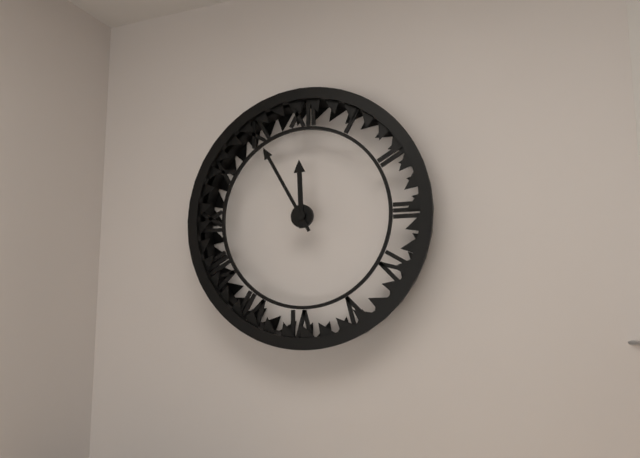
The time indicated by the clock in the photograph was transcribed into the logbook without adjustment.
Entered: 11:55
